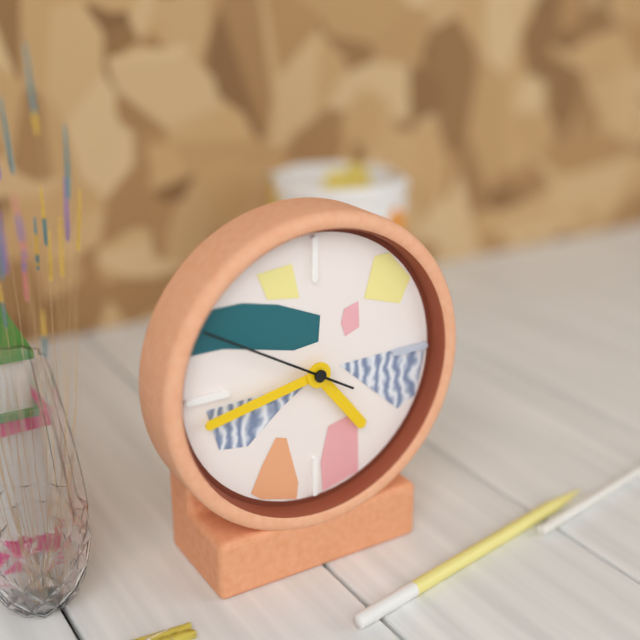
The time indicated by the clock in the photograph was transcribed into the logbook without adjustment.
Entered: 4:43:50
